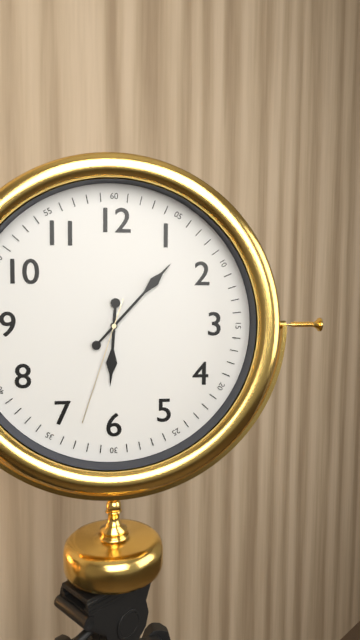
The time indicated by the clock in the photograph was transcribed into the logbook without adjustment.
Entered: 6:07:33
